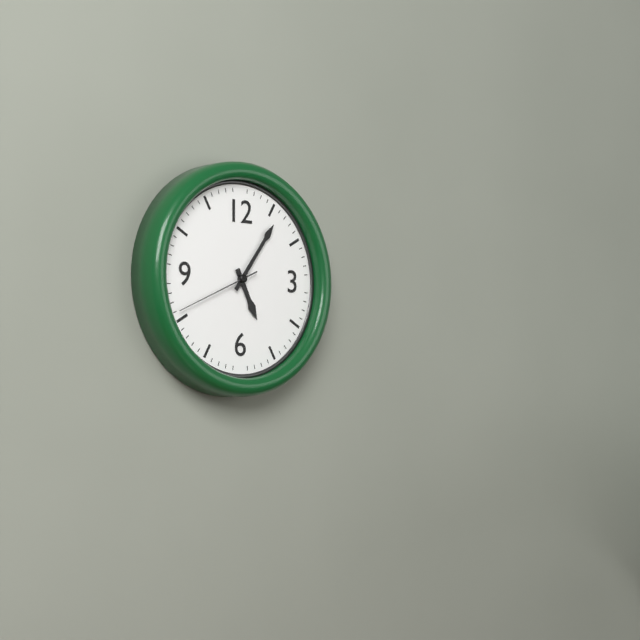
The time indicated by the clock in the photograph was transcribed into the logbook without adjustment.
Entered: 5:06:41
